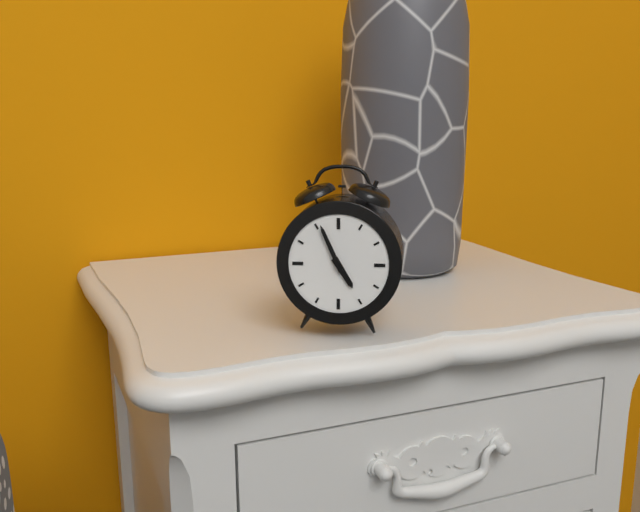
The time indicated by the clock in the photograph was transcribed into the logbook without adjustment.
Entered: 4:56
